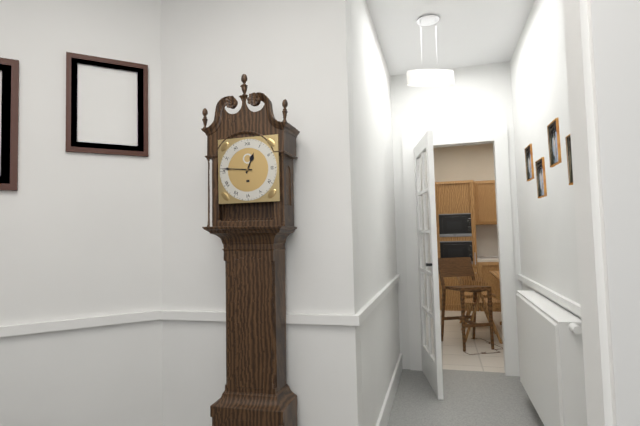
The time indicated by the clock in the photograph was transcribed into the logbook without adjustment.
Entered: 12:46
